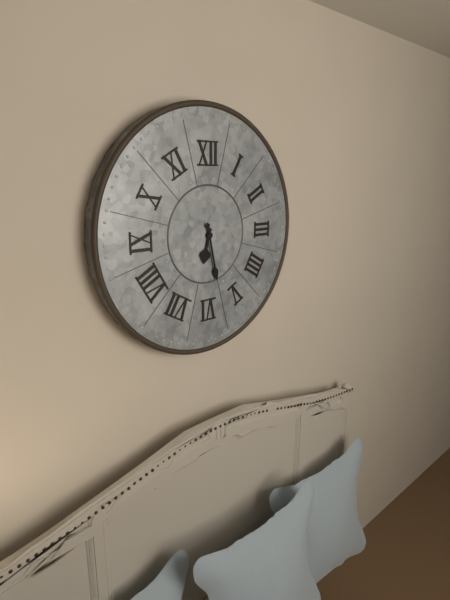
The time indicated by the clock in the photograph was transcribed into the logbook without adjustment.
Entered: 6:28
